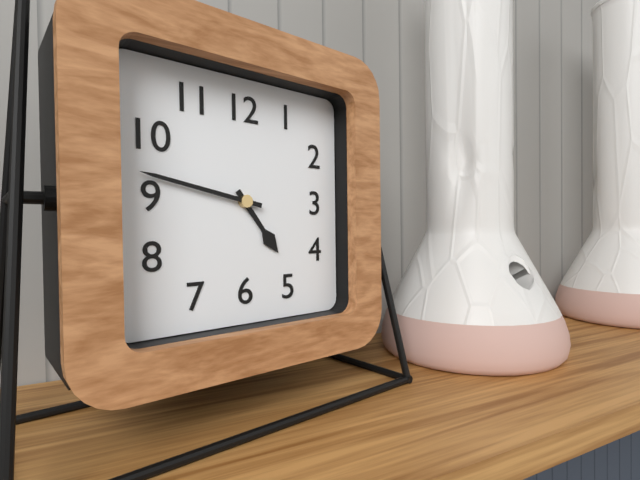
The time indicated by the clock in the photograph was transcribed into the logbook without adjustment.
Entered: 4:47
